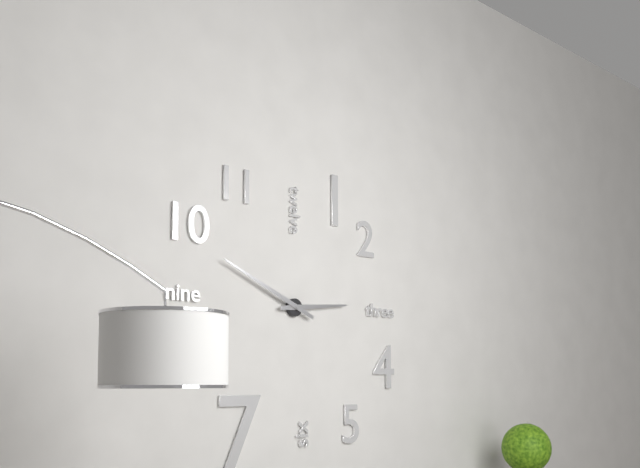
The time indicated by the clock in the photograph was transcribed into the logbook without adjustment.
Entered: 2:49
